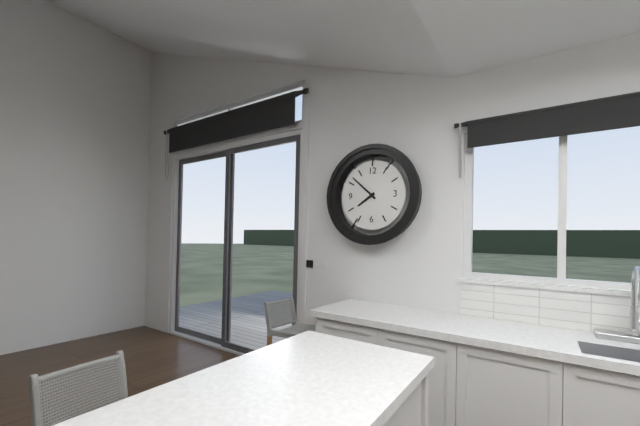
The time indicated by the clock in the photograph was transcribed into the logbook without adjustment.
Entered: 7:52
